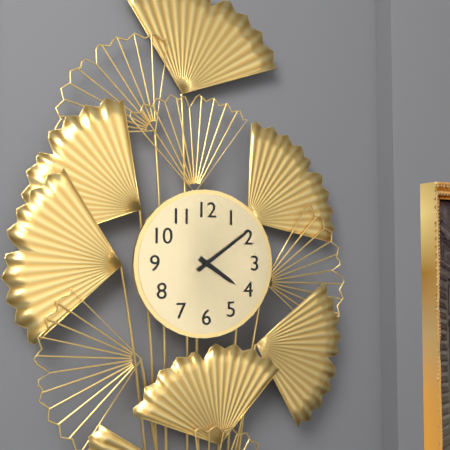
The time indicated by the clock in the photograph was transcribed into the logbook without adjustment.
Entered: 4:09
